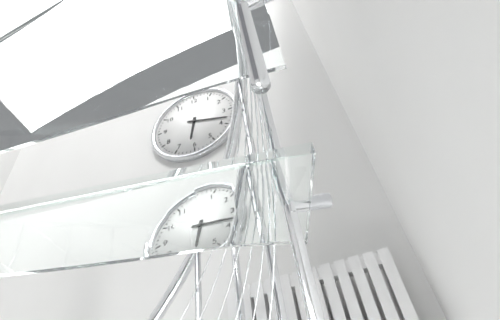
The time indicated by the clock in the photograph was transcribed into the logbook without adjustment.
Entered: 6:18
